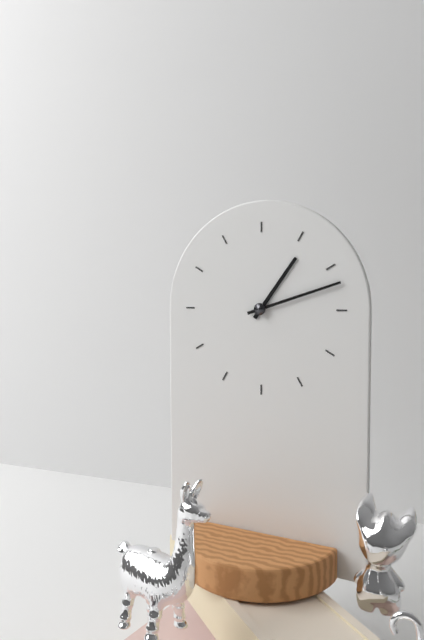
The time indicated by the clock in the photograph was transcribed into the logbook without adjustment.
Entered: 1:12
